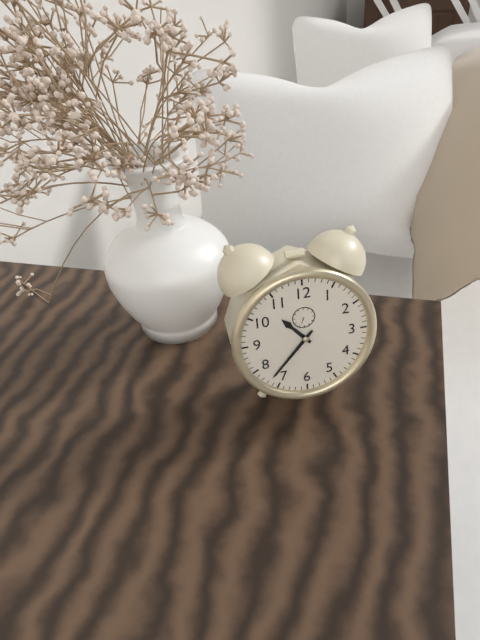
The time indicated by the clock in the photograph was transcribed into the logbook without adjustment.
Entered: 10:37
